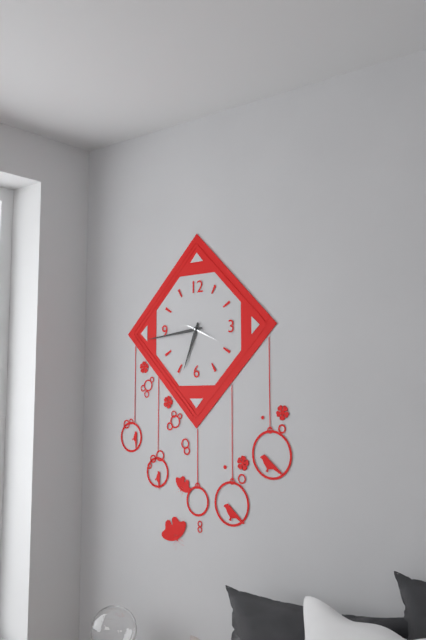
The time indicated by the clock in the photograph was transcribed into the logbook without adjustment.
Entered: 6:44
